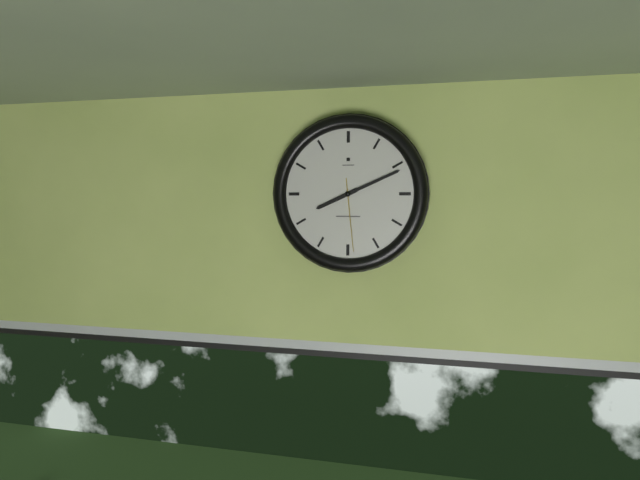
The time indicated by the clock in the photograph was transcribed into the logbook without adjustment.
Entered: 8:11:29
